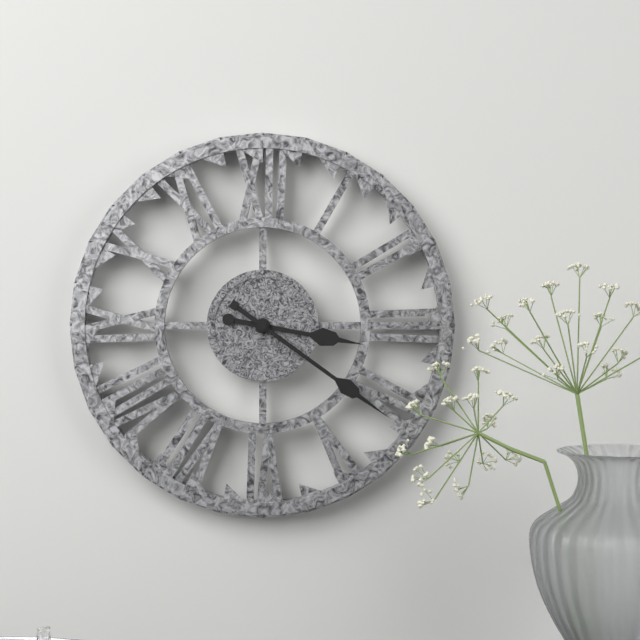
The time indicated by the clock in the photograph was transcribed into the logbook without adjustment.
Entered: 3:21
